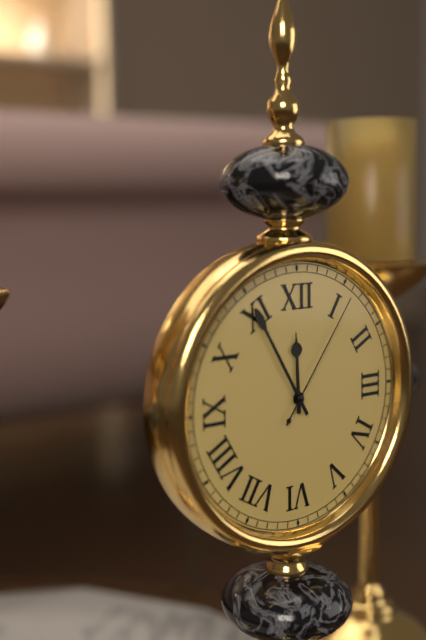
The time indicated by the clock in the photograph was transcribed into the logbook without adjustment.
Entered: 11:55:06
